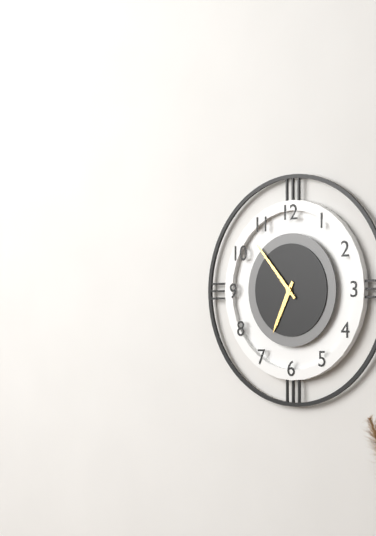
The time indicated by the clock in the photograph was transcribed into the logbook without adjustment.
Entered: 6:53
